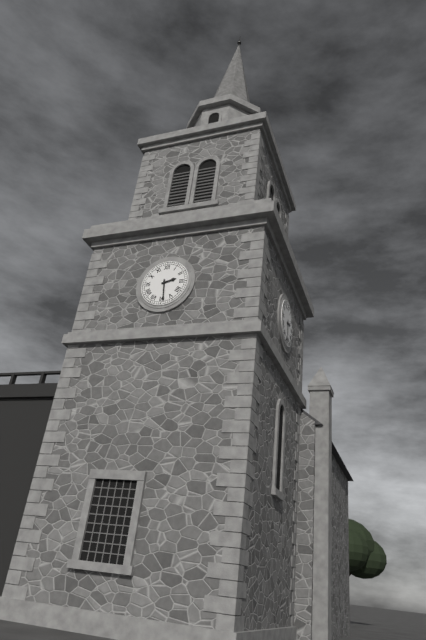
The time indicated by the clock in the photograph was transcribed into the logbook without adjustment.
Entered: 2:29
